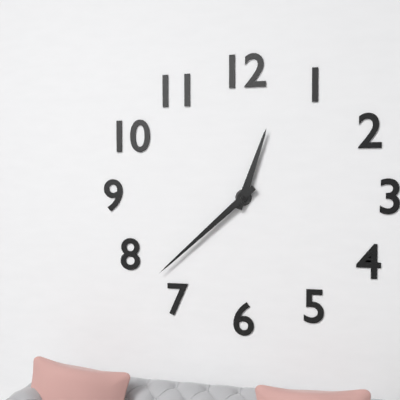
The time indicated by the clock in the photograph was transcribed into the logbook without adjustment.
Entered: 12:38
